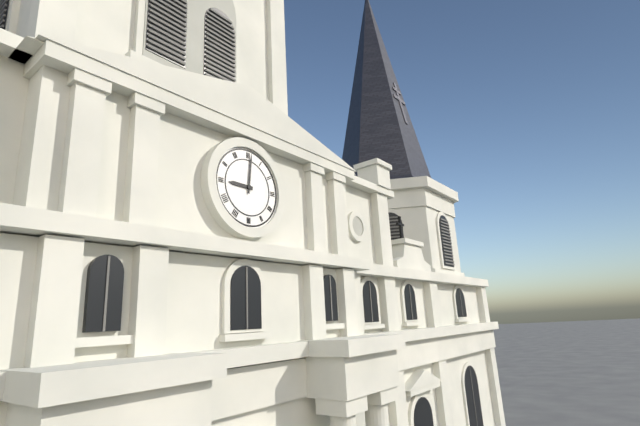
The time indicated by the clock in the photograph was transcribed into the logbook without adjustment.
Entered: 9:01
